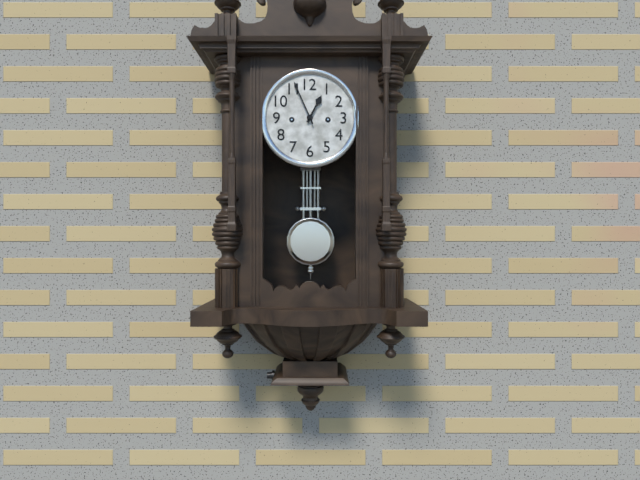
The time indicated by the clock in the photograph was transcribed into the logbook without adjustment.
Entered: 12:56
